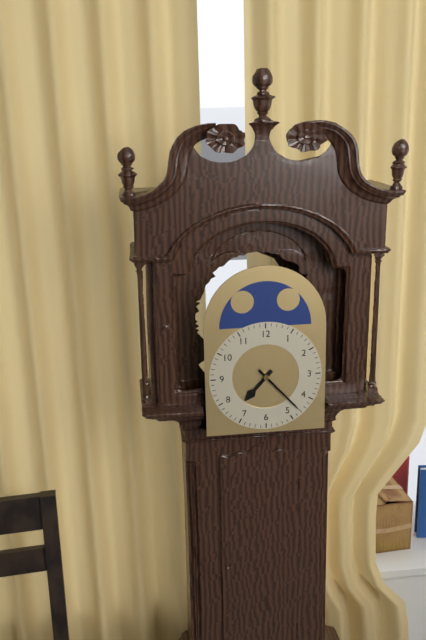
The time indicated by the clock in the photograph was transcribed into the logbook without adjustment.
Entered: 7:23
